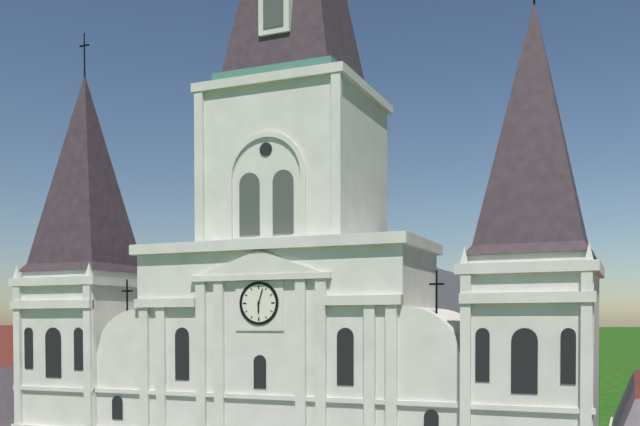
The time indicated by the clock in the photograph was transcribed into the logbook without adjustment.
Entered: 6:03
